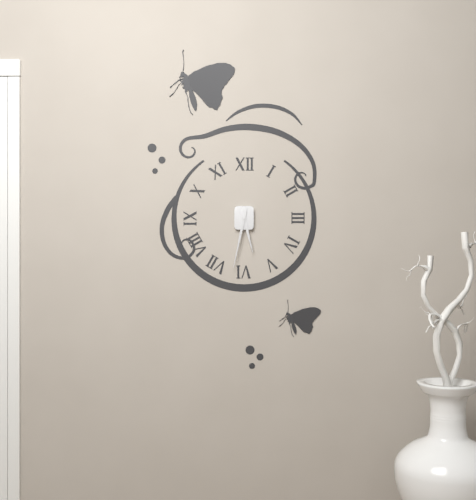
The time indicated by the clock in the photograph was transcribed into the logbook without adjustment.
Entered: 5:32
